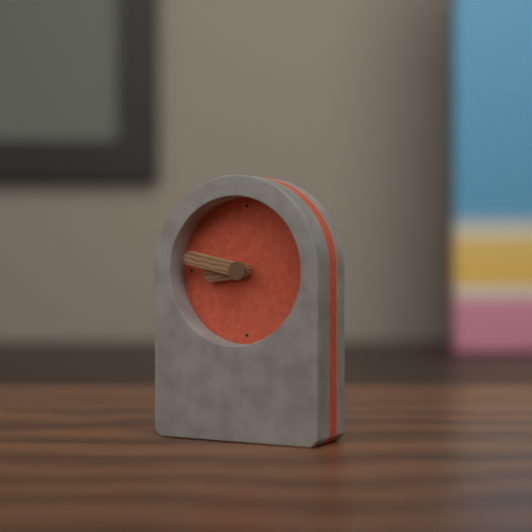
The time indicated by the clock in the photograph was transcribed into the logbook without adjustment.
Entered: 8:47
